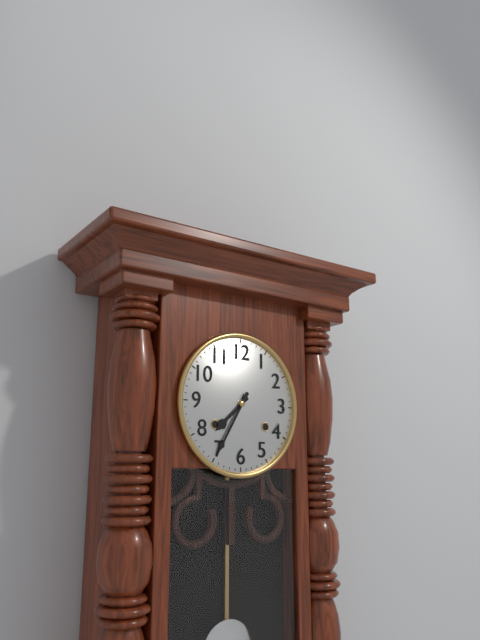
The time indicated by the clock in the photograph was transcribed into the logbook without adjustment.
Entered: 7:35
